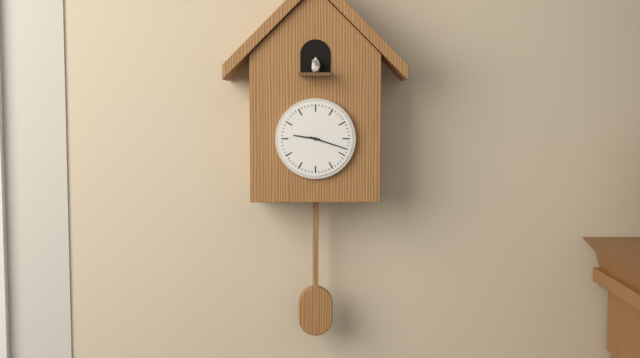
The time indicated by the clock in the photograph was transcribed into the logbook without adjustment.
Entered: 9:18
